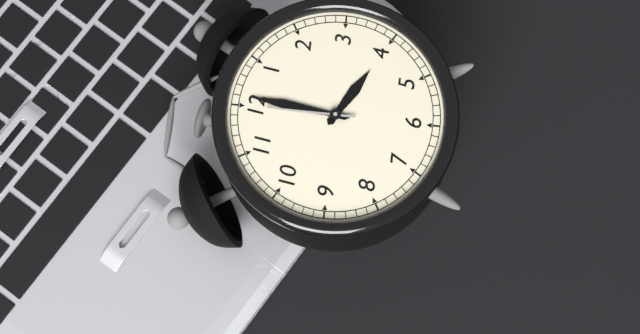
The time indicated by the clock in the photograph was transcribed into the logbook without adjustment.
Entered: 4:01:00
